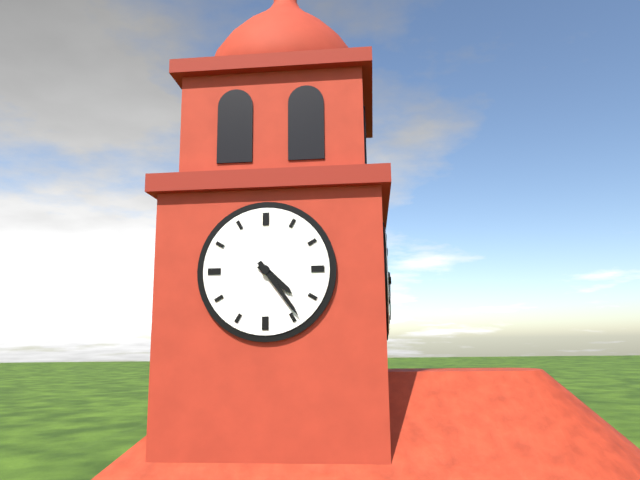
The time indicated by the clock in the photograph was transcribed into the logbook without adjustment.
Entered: 4:24
